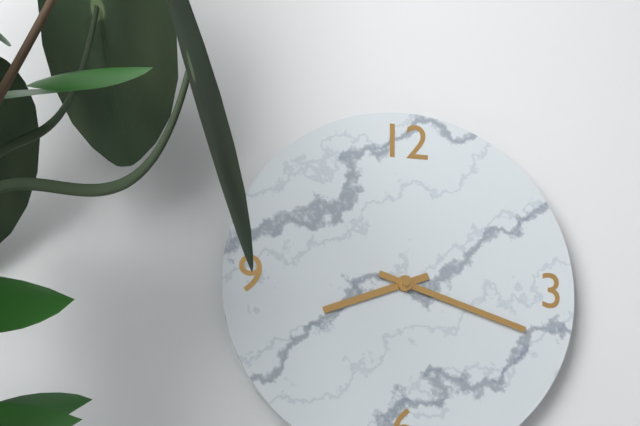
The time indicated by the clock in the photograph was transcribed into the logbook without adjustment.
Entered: 8:18
